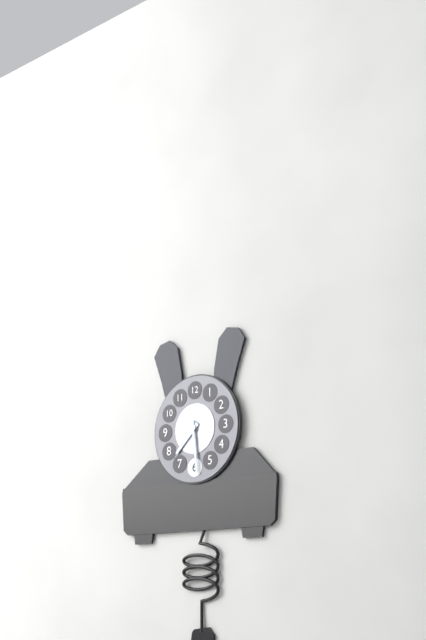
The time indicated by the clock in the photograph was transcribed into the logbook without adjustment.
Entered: 7:29
